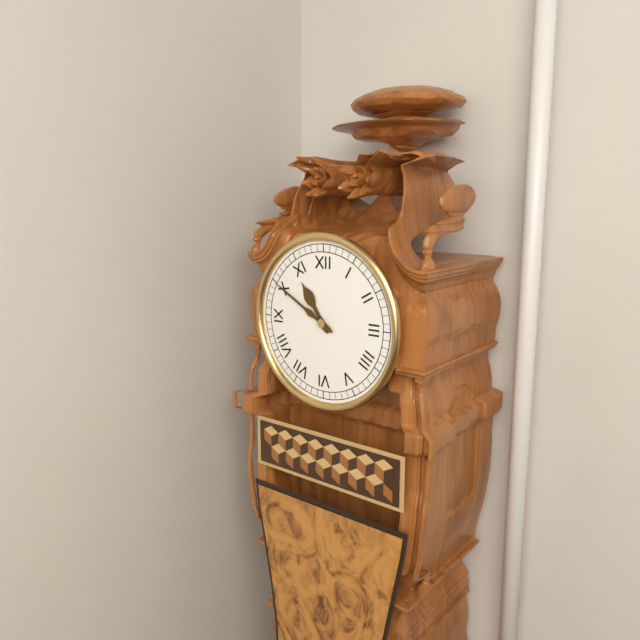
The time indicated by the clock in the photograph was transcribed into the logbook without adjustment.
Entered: 10:50
